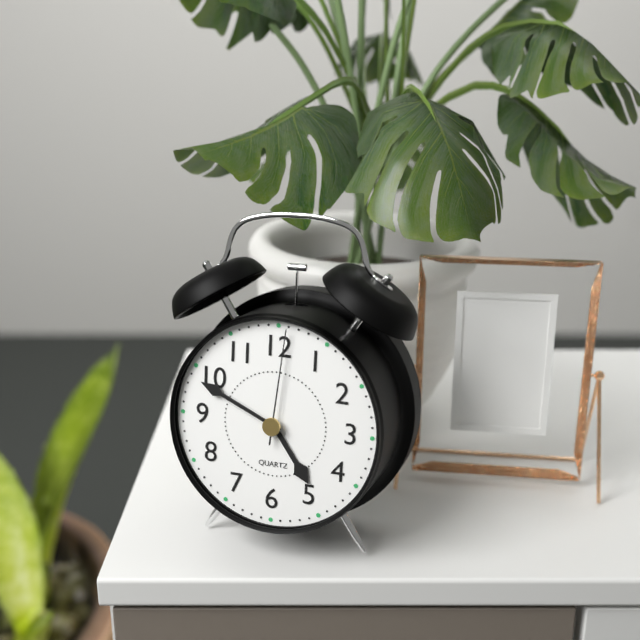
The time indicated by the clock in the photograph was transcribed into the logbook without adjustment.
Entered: 4:49:01
